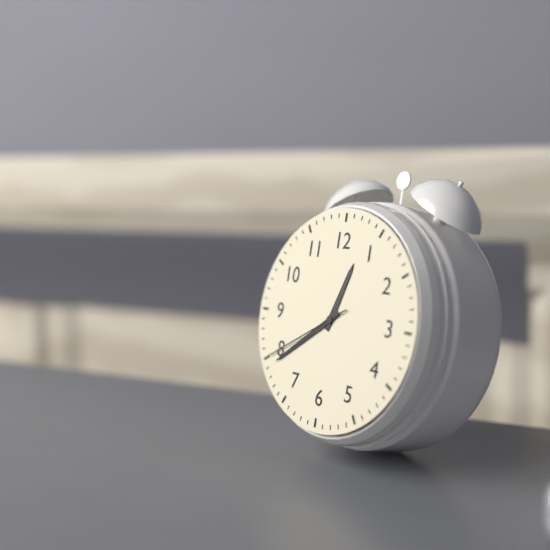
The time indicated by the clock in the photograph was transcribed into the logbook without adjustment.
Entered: 12:39:40
